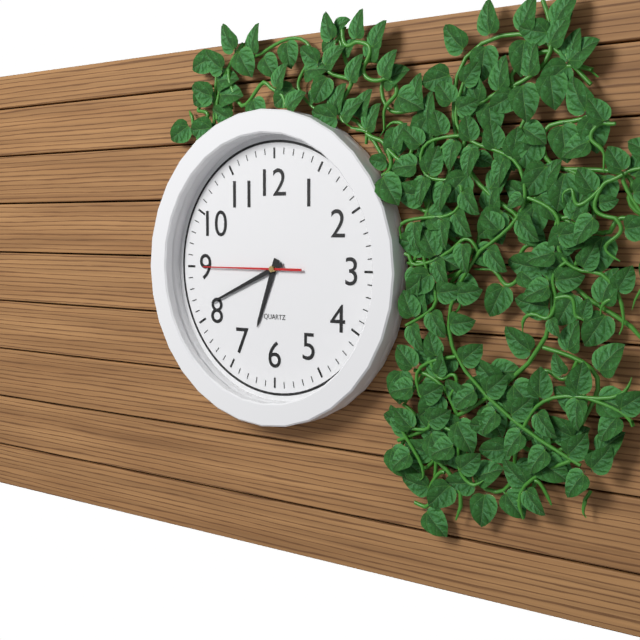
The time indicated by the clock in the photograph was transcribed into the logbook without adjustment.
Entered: 6:41:45
